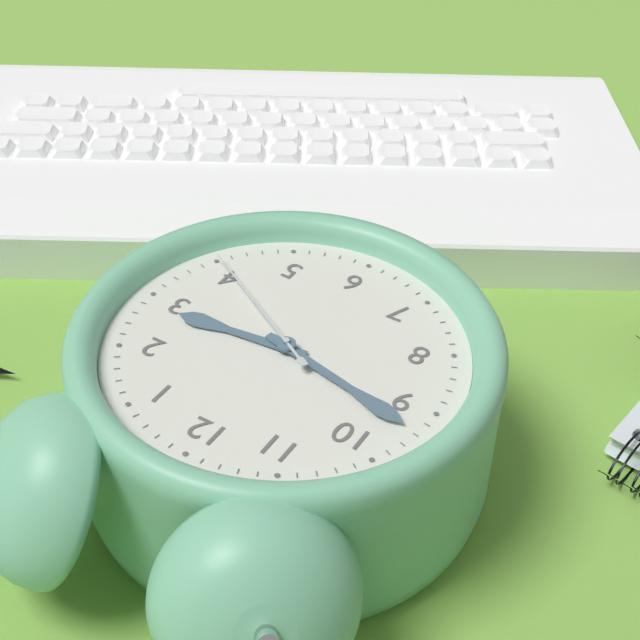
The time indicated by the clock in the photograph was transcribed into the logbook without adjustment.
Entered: 2:47:20
